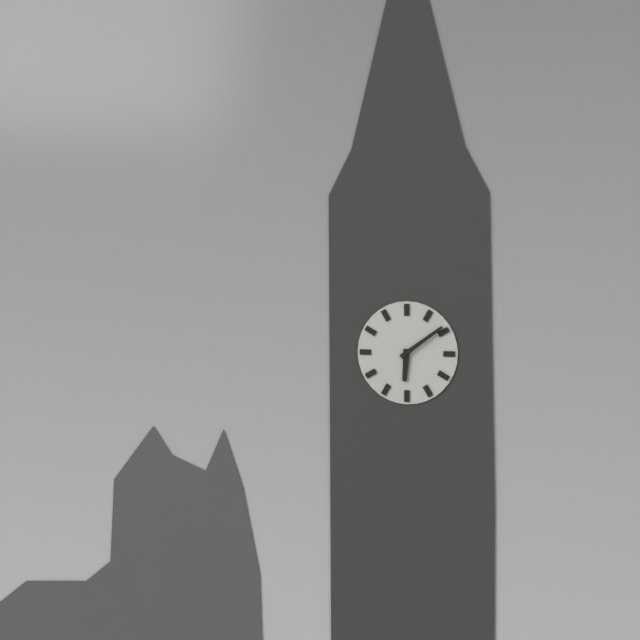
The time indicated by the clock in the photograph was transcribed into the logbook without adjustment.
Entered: 6:09
